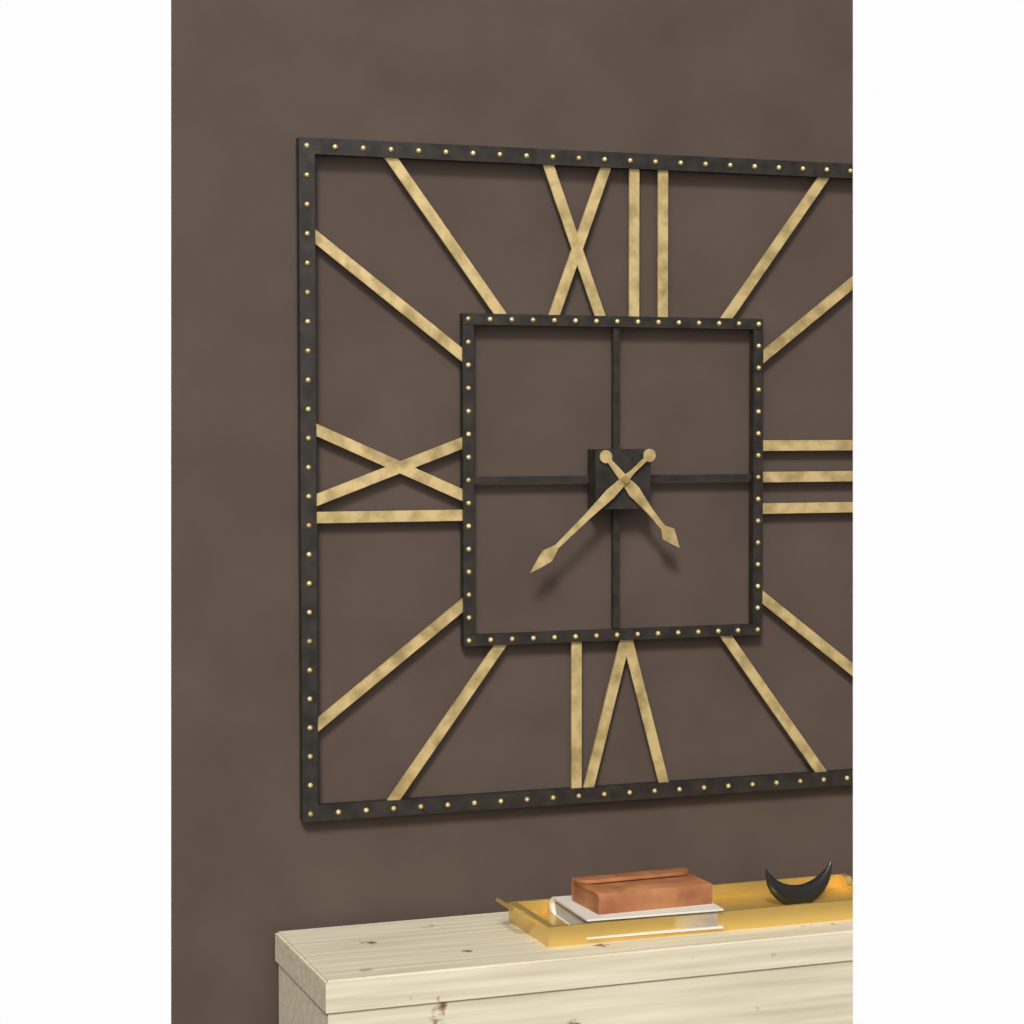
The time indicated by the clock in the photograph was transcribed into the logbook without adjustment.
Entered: 4:38
